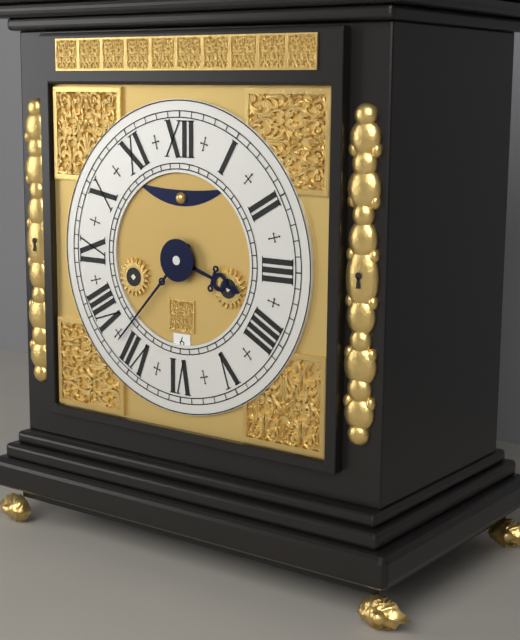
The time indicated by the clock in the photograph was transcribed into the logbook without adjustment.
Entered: 3:37
